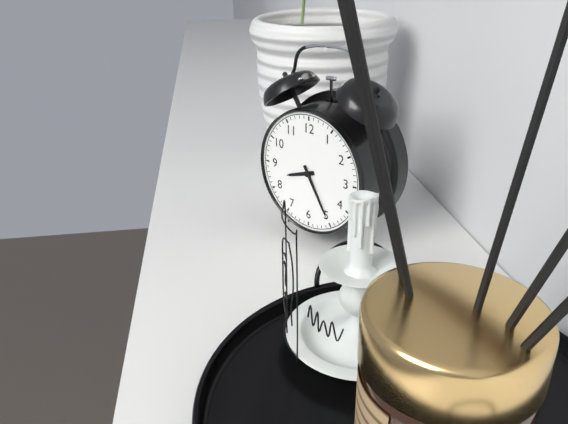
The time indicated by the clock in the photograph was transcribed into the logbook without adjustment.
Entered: 8:25
